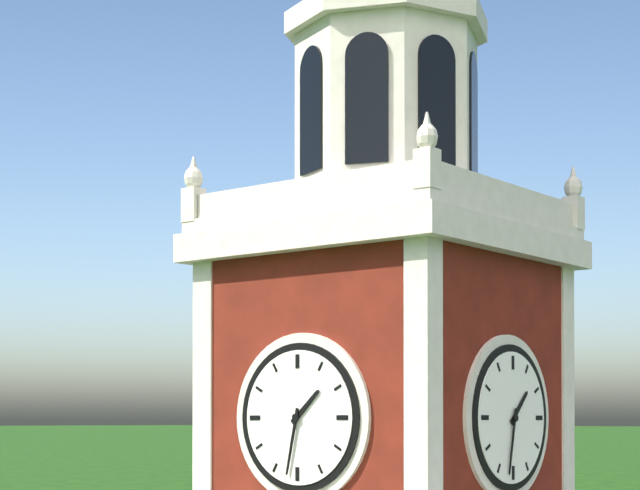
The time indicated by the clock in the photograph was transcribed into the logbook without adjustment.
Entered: 1:32
